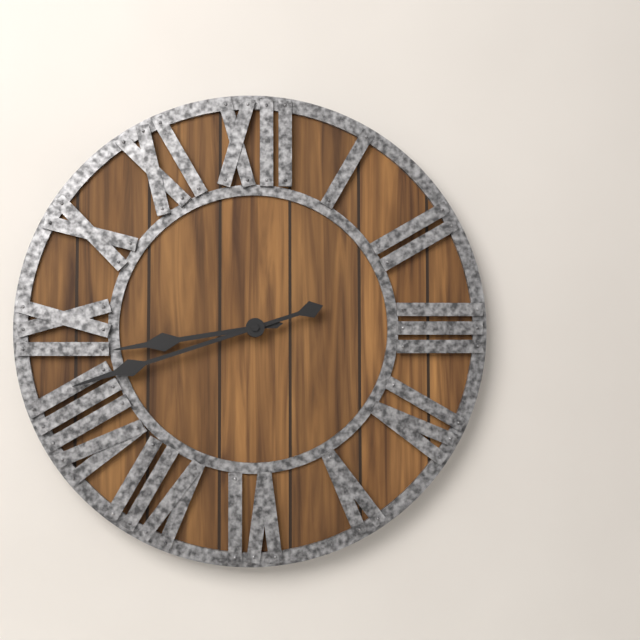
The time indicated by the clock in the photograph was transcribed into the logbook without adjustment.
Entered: 8:42
